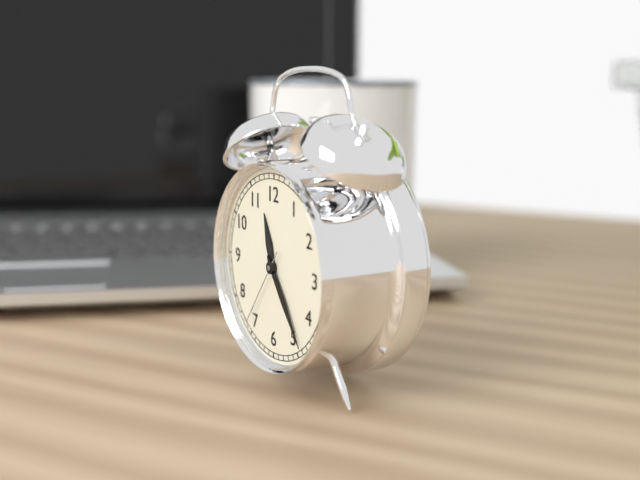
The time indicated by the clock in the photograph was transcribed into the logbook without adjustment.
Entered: 11:24:36
